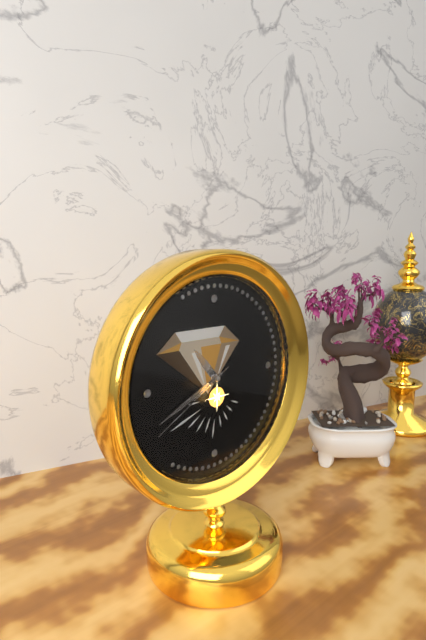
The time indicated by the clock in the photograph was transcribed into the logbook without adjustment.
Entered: 10:41:40
